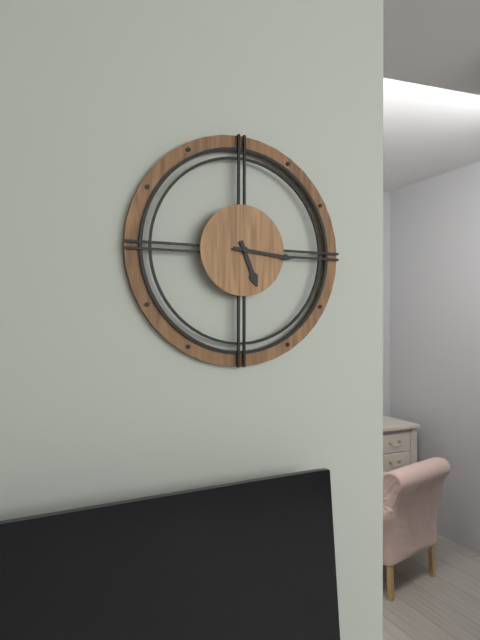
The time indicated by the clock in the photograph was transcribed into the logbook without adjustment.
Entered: 5:16
